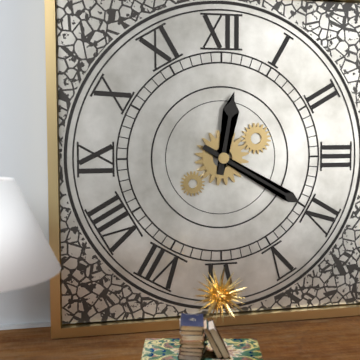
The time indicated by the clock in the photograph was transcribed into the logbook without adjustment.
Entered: 12:20
